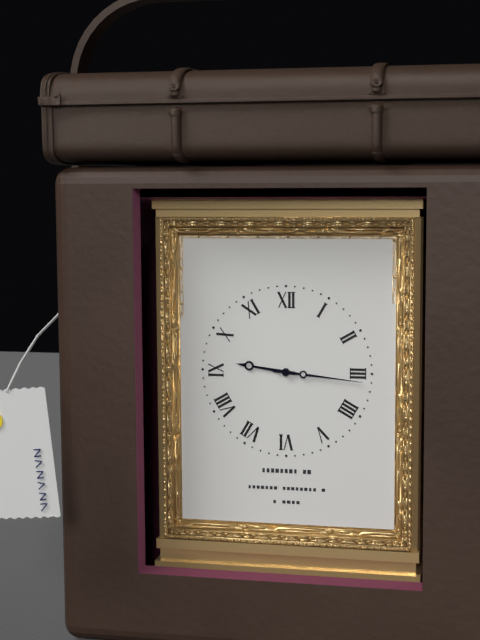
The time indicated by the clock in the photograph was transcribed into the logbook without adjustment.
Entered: 9:16
